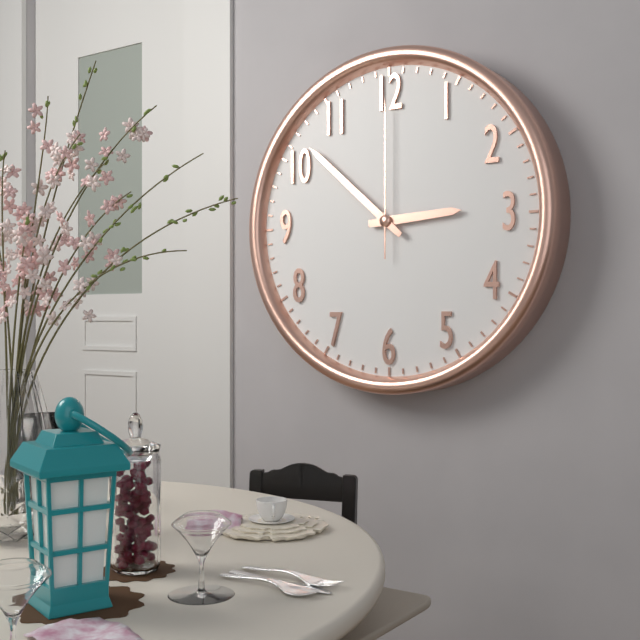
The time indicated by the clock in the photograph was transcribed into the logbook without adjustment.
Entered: 2:52:00
